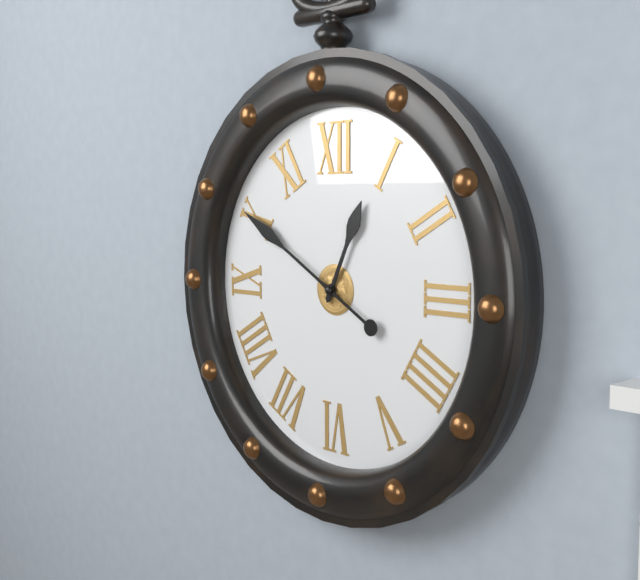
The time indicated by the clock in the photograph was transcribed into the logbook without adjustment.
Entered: 12:50
